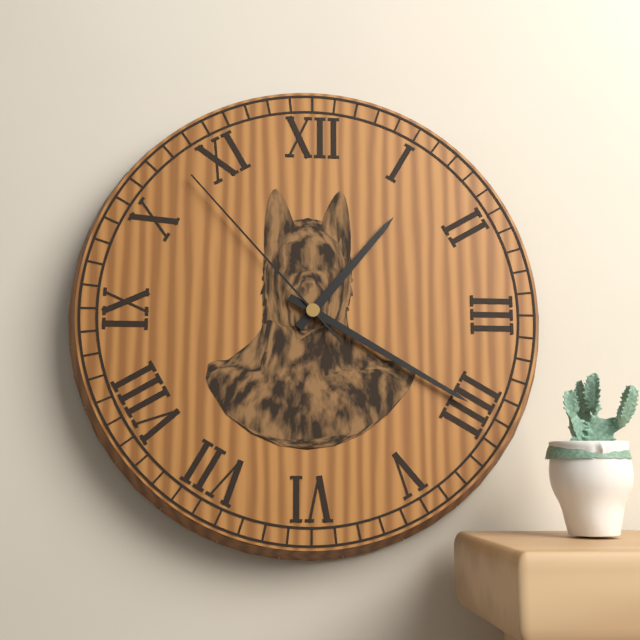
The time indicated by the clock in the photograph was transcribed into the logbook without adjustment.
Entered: 1:20:53
